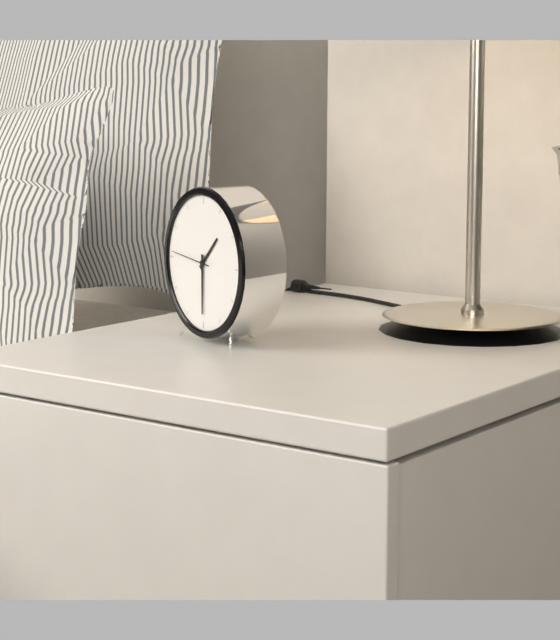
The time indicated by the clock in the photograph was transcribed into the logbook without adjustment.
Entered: 1:30
